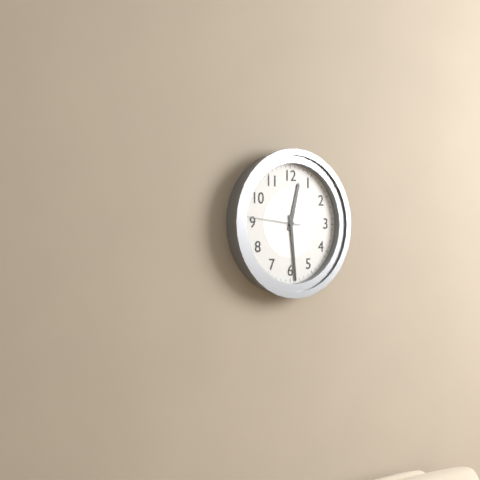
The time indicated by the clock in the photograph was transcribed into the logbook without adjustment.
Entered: 12:29:46
